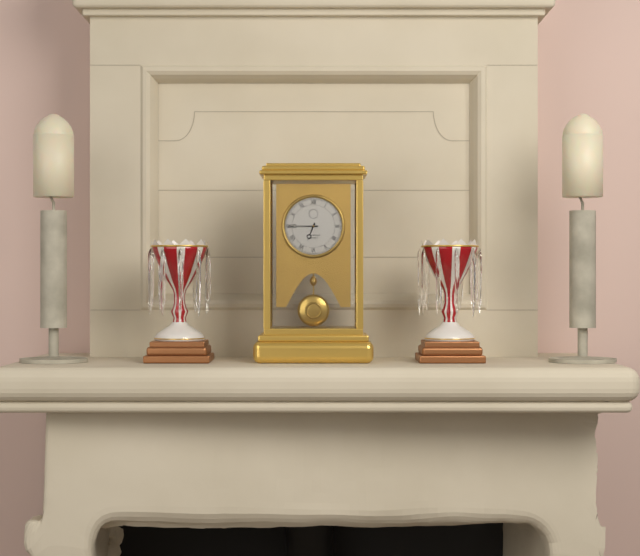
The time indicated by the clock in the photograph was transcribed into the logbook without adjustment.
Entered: 6:45
